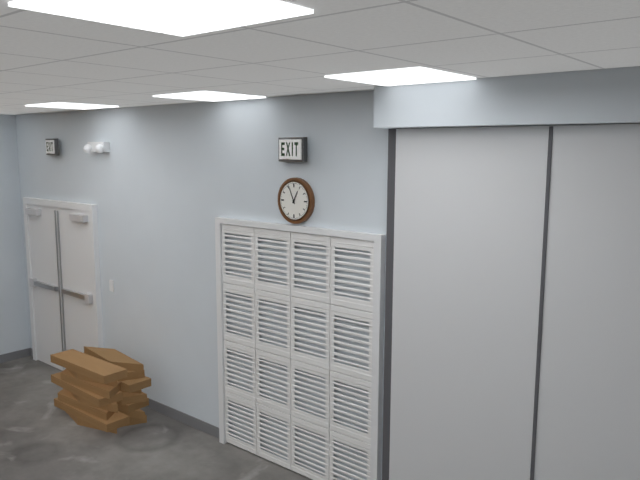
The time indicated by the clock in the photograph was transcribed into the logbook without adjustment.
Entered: 12:56
